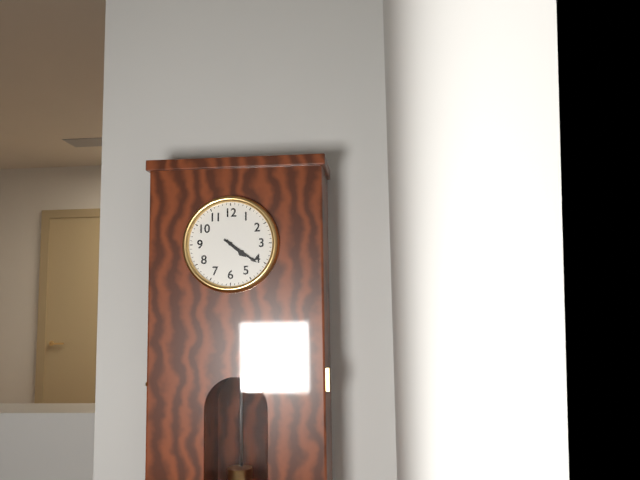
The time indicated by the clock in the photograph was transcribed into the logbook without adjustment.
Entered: 4:21
